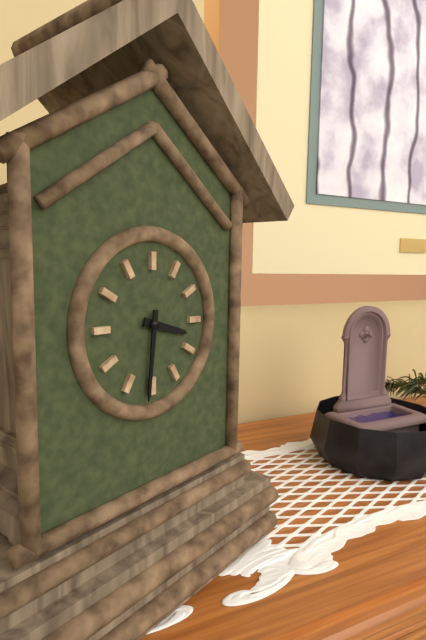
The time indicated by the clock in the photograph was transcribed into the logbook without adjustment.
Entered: 3:31
